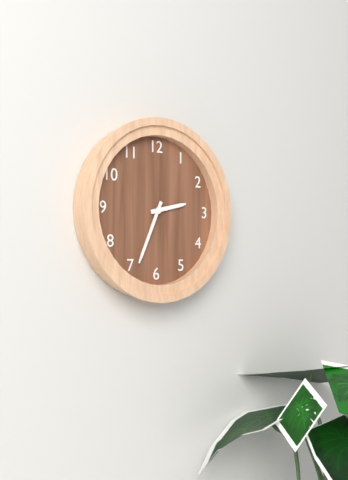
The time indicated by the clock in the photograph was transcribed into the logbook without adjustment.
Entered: 2:34
